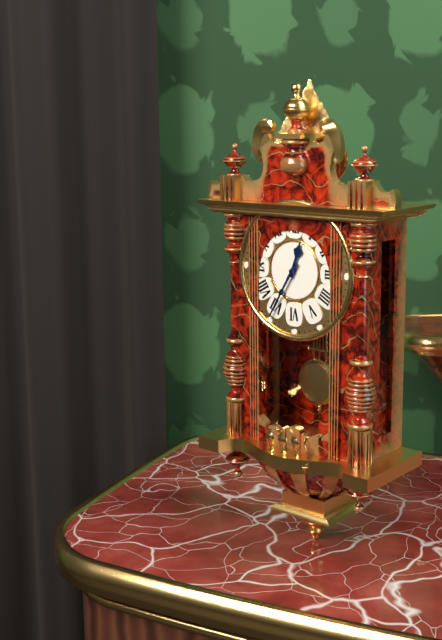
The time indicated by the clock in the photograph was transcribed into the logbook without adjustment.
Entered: 12:35
